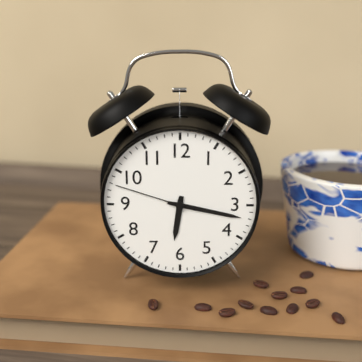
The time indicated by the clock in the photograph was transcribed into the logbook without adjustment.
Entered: 6:17:48
